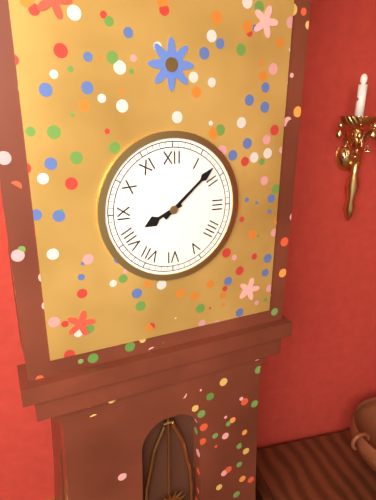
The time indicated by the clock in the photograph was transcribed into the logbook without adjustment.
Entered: 8:08
